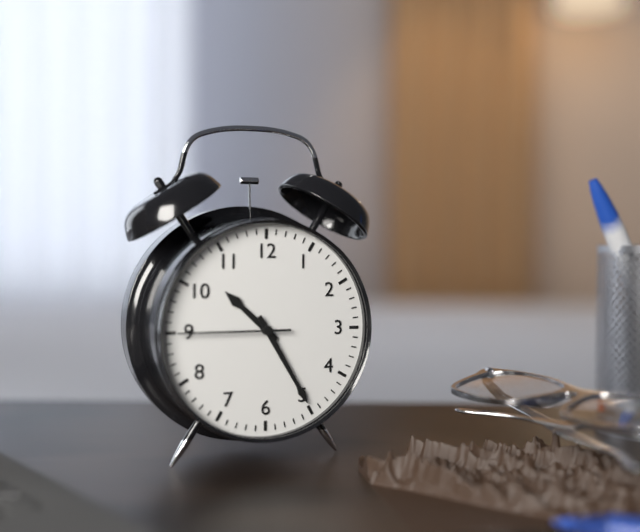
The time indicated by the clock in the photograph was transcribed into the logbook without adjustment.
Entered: 10:25:45
